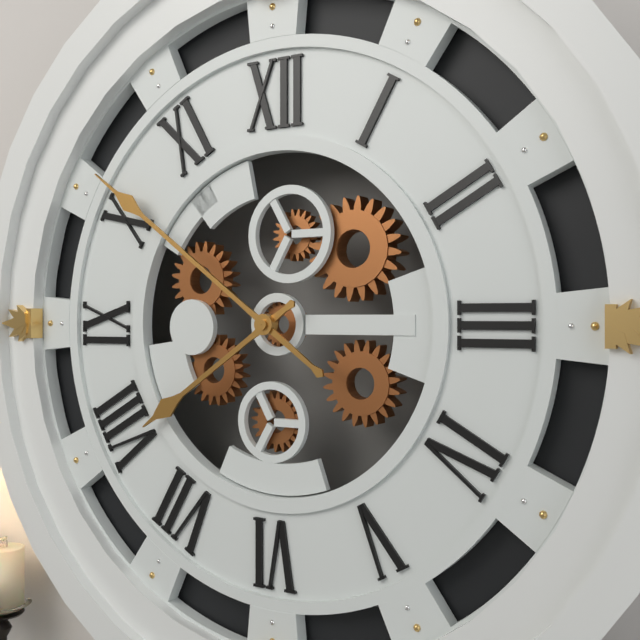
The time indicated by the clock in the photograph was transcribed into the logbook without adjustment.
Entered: 7:51
